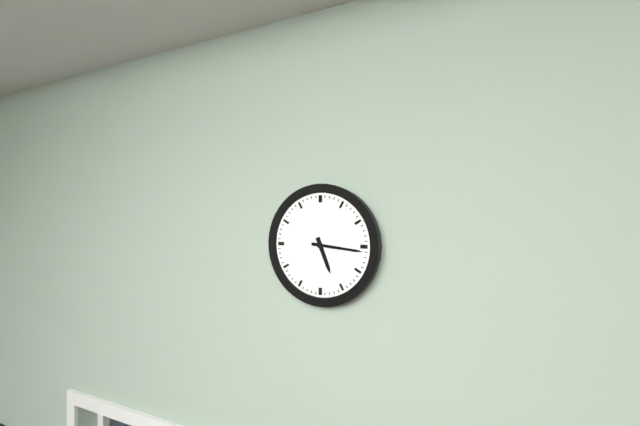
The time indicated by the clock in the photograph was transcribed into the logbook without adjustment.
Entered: 5:16
